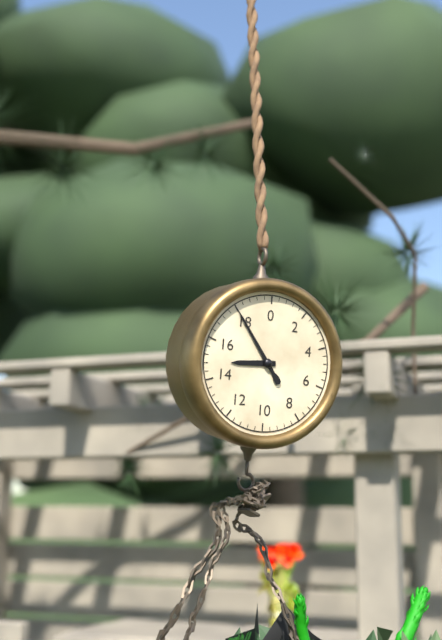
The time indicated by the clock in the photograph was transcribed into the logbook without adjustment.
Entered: 8:54
